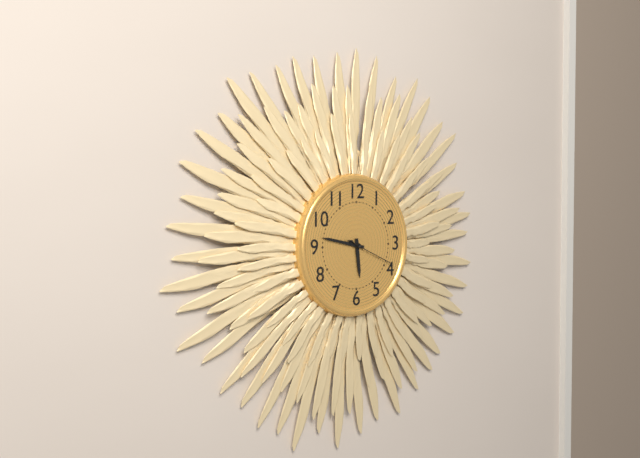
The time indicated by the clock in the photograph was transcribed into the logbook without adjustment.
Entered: 5:47:19
